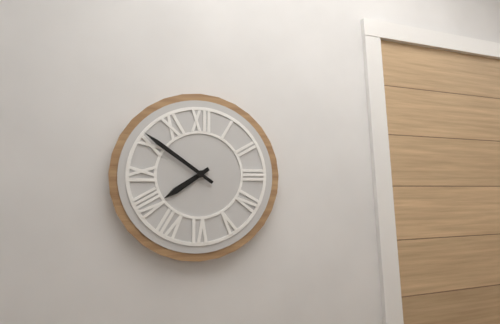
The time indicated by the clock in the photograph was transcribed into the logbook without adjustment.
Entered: 7:51
